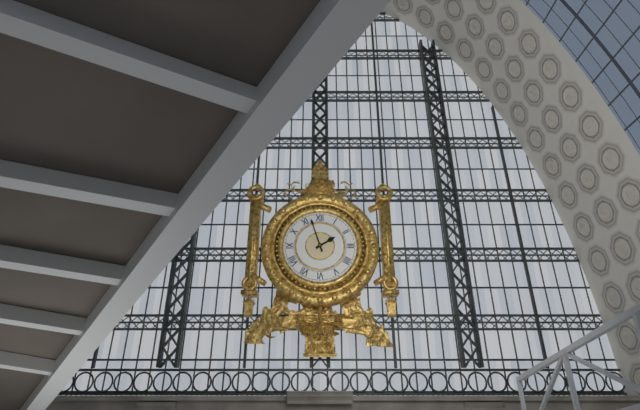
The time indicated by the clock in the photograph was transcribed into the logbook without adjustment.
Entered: 1:57
